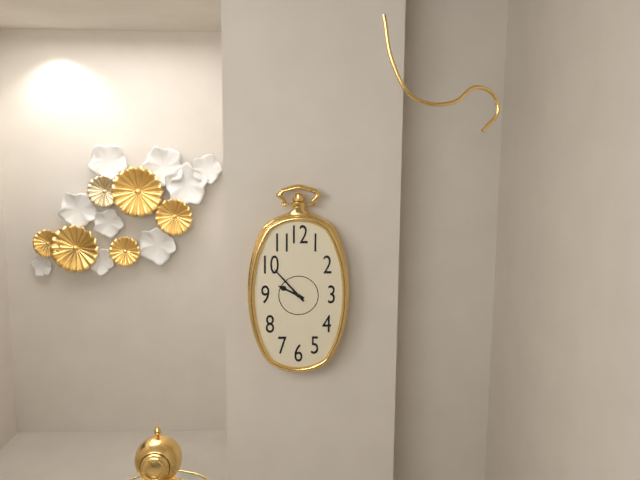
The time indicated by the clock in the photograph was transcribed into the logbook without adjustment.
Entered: 9:53
